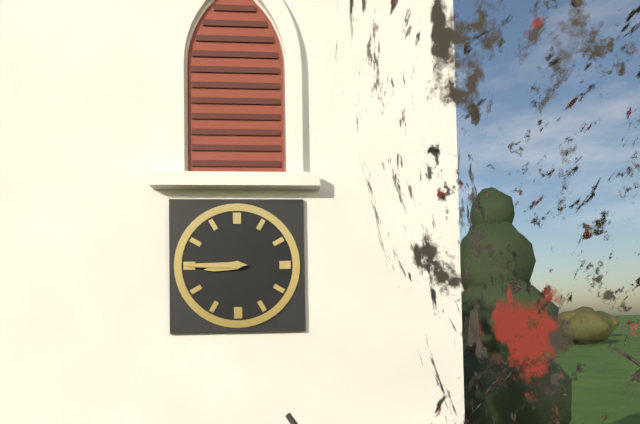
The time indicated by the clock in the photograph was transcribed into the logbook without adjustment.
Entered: 8:45
